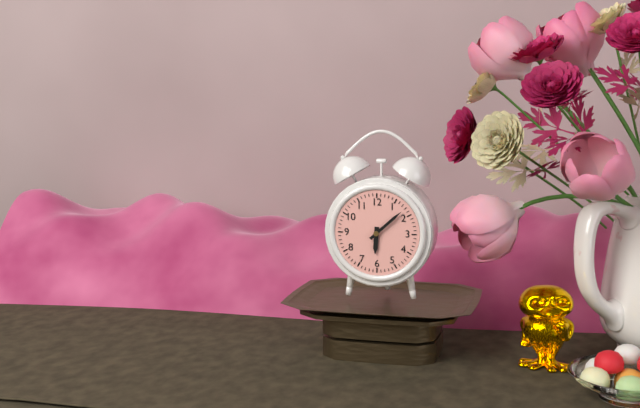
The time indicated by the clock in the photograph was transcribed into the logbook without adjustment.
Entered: 6:08
